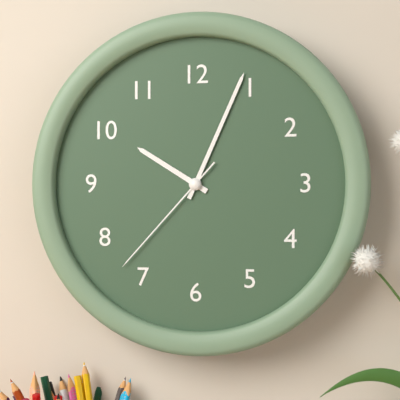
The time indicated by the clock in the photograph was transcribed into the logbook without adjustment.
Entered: 10:04:37
